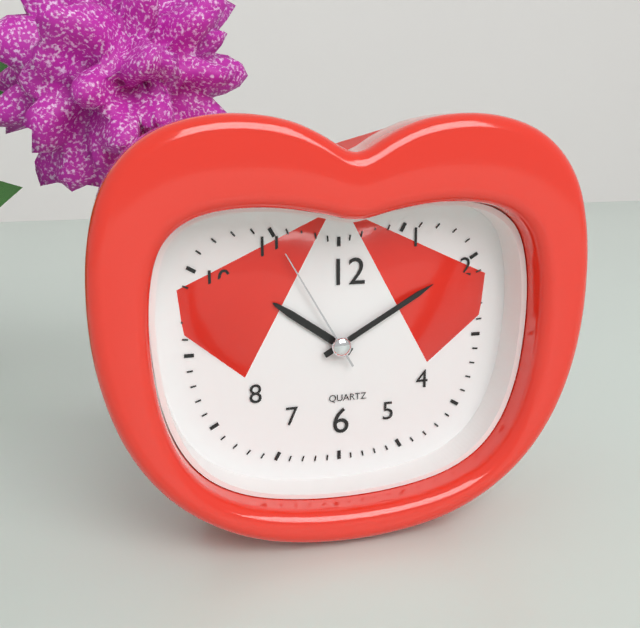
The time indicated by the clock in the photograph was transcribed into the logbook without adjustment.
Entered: 10:10:55
